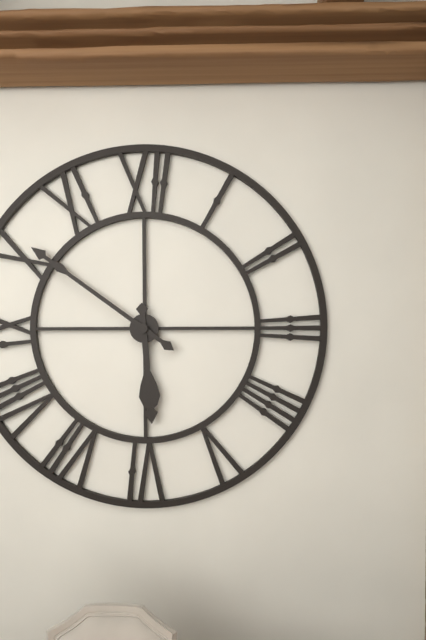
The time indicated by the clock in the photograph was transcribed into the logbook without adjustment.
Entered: 5:51
